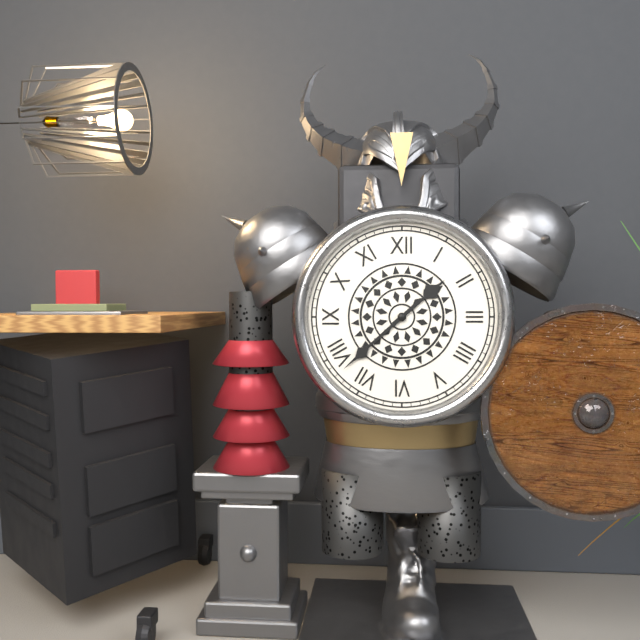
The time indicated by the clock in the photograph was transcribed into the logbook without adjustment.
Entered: 1:38
